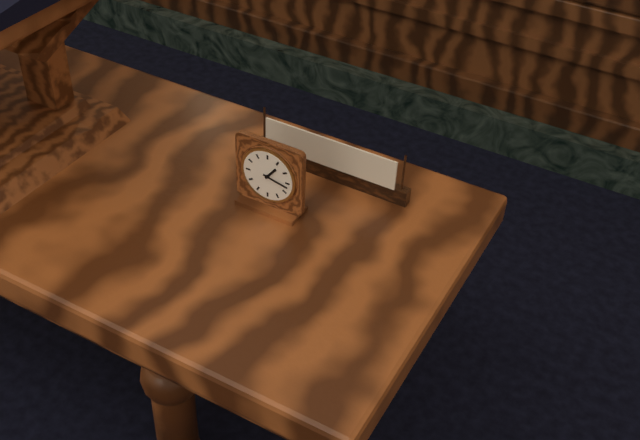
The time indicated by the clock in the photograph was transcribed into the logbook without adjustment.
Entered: 1:17
